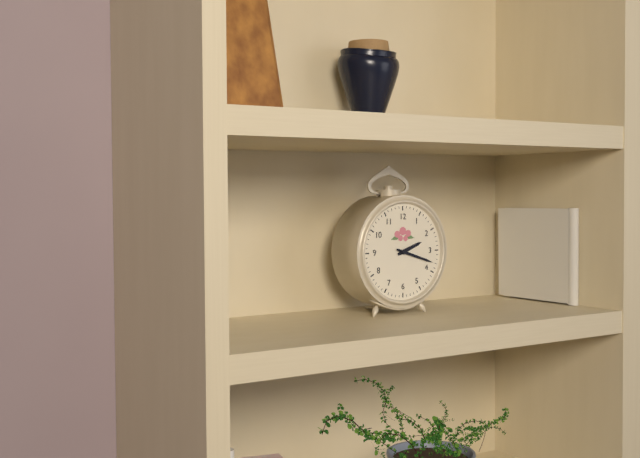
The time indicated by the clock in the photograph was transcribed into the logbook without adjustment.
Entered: 2:18
